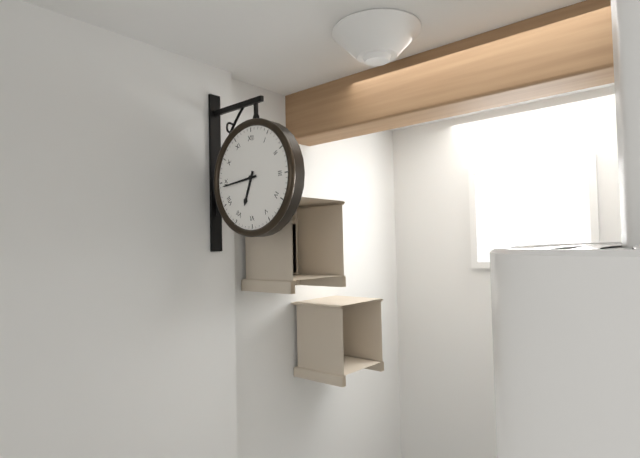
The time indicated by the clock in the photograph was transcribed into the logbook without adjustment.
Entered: 6:44
